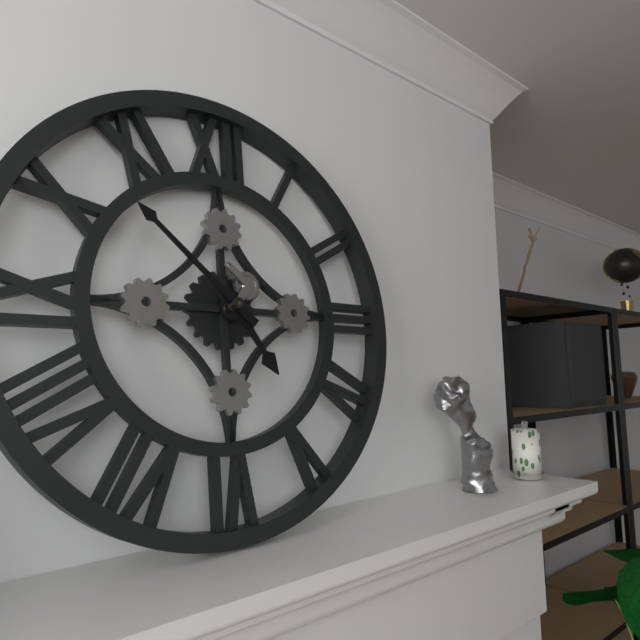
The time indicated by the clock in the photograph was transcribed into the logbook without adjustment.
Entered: 4:52
